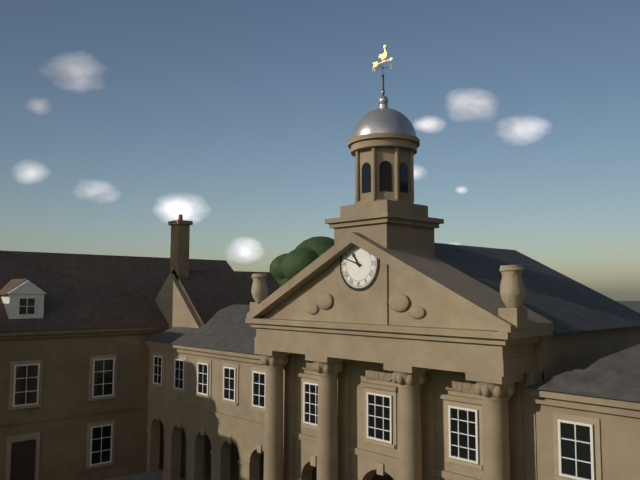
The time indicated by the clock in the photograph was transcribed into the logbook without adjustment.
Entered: 10:48
